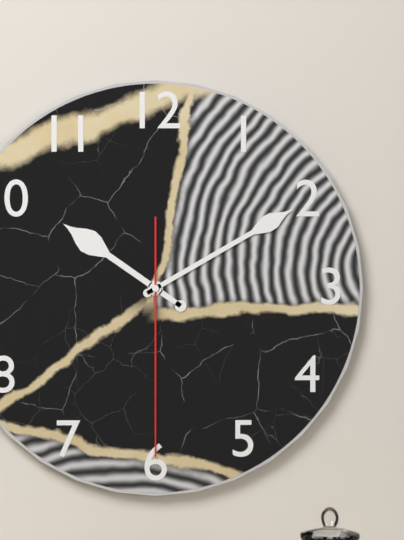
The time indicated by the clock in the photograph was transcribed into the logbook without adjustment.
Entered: 10:10:30
